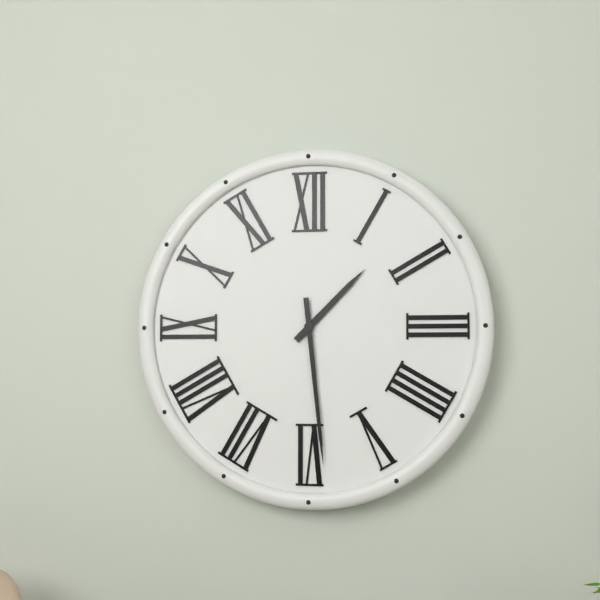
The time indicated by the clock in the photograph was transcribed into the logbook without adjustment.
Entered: 1:29
